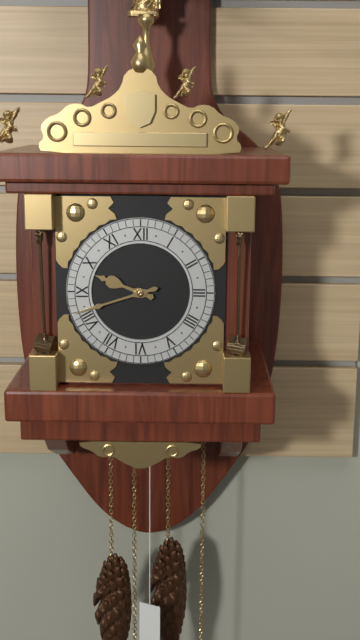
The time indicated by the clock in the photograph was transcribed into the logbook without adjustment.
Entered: 9:42
